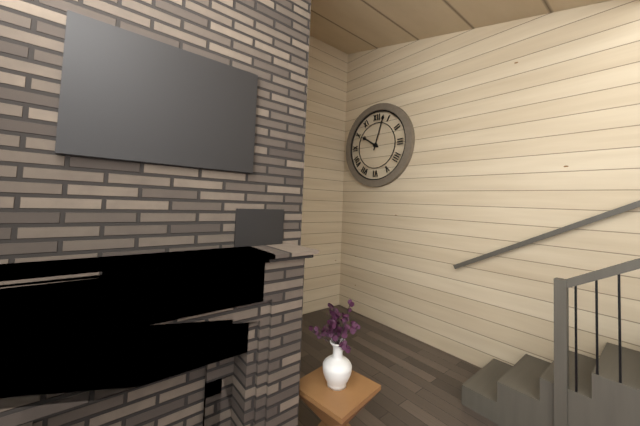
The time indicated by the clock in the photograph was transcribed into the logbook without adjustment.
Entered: 10:03
